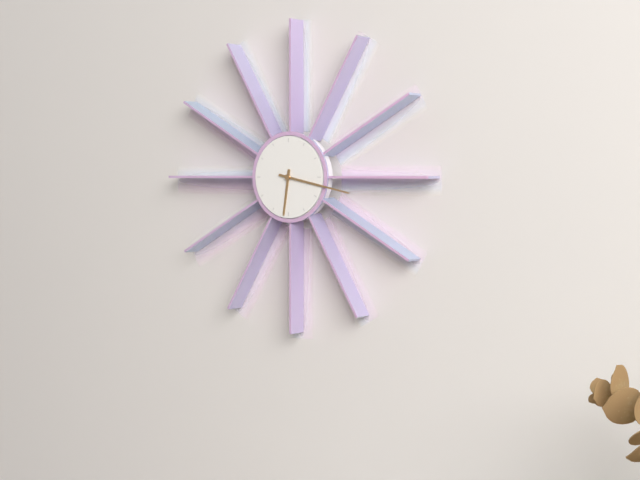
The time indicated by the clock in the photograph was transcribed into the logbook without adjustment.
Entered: 6:17
